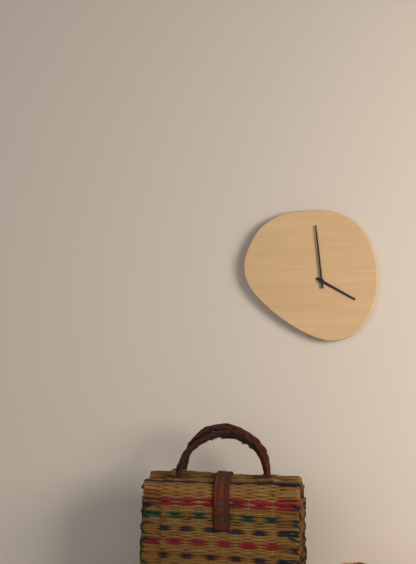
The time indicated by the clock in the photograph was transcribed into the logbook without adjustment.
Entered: 3:59
